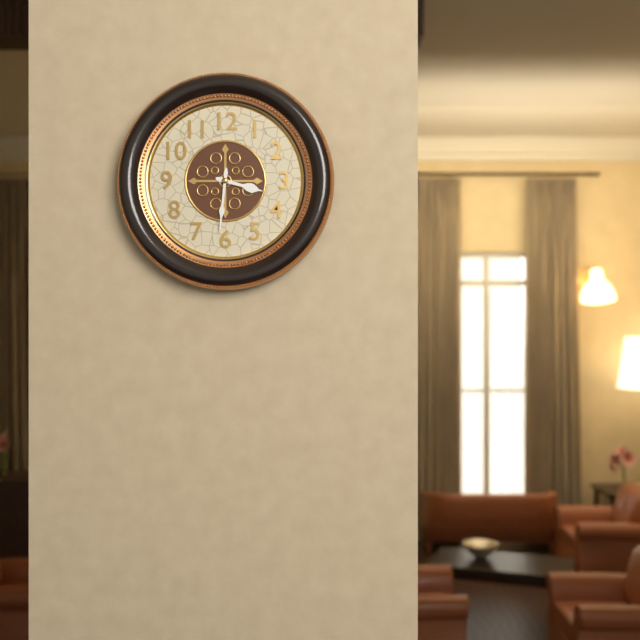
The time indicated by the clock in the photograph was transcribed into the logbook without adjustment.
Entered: 3:31
